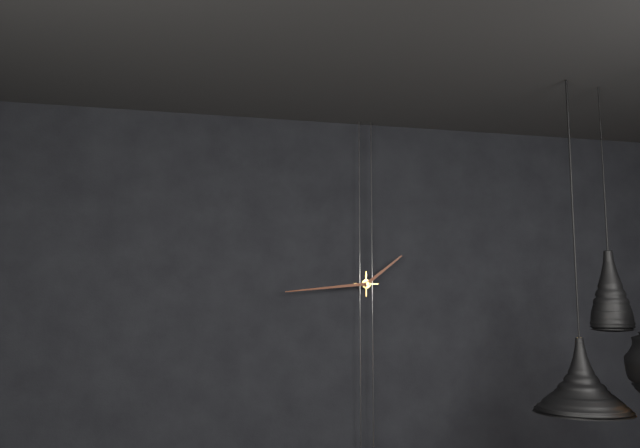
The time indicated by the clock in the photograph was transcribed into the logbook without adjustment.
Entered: 1:44
